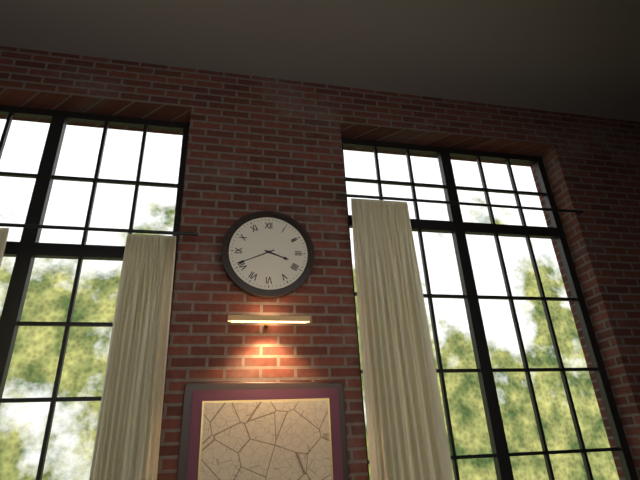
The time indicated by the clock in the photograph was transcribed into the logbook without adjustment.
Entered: 3:41
